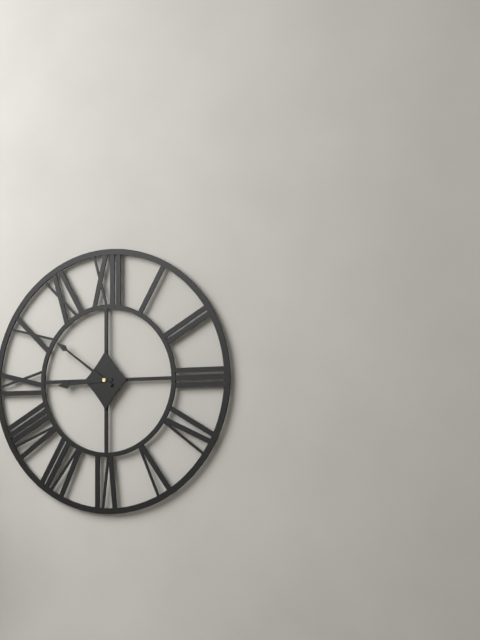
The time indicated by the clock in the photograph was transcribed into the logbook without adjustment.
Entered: 8:51
